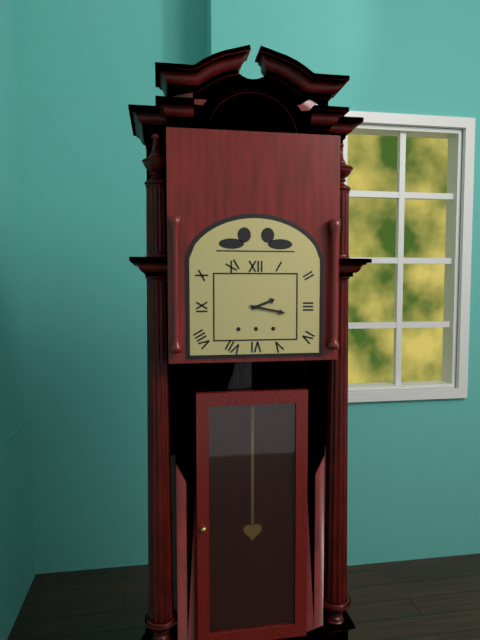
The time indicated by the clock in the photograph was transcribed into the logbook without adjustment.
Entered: 2:17
